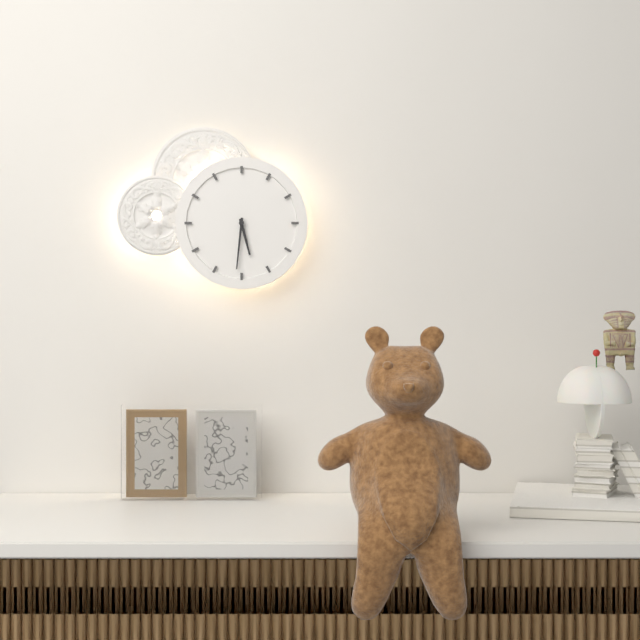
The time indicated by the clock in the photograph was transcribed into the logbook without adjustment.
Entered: 5:31
